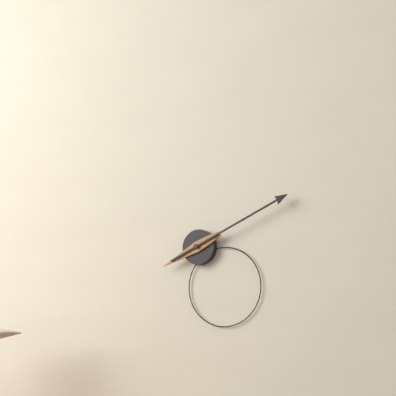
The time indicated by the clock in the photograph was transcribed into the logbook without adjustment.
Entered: 8:11
